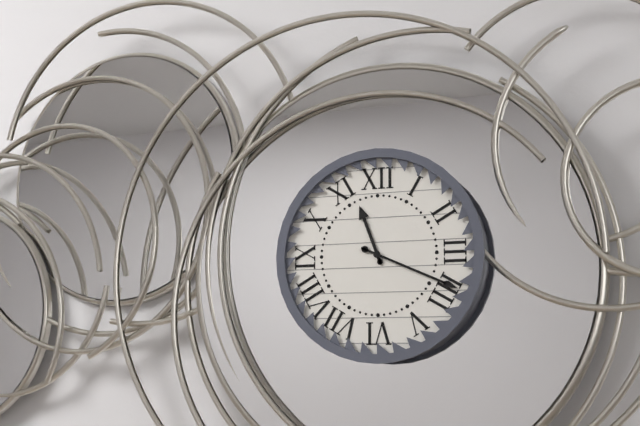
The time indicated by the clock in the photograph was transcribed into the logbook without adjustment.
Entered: 11:19
